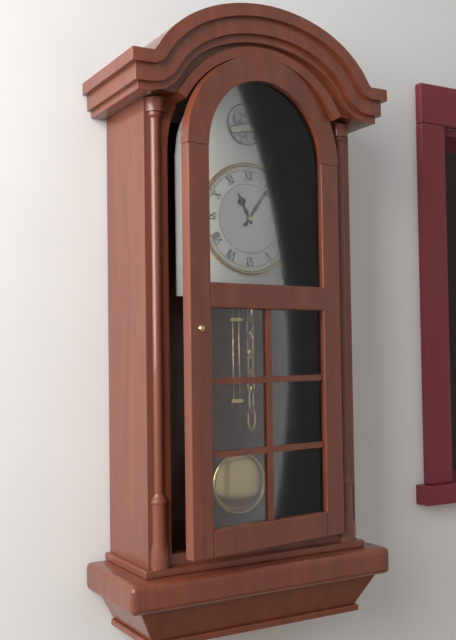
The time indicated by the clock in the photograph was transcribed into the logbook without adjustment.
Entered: 11:06
